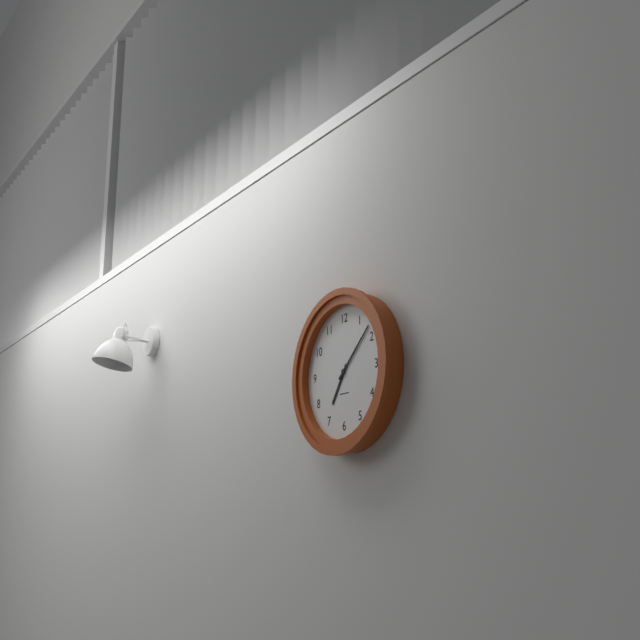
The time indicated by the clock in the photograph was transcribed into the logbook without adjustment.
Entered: 7:08
